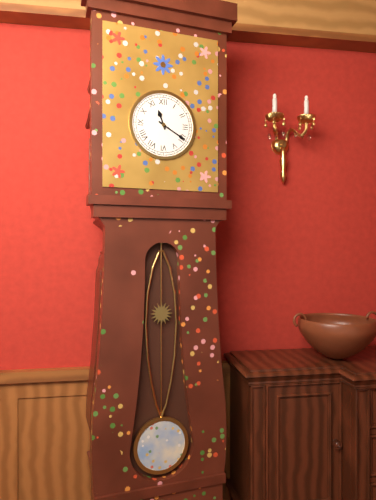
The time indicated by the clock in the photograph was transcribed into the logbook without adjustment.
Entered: 11:20
